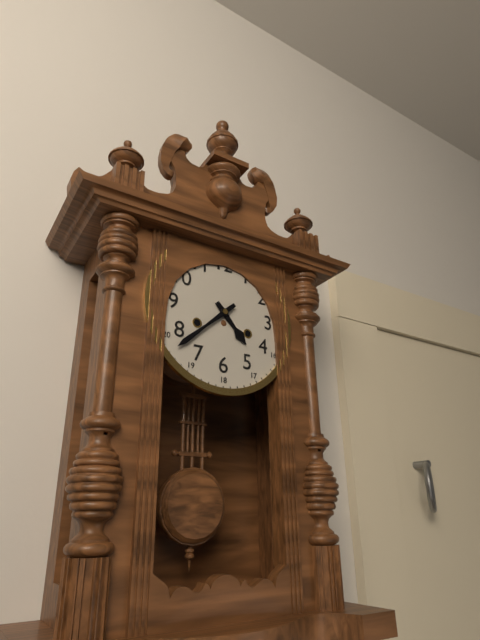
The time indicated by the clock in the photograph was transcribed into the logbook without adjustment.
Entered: 4:38
